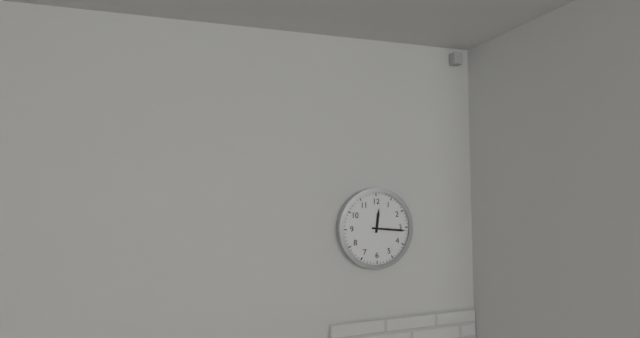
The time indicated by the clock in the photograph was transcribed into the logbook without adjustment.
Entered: 12:16
